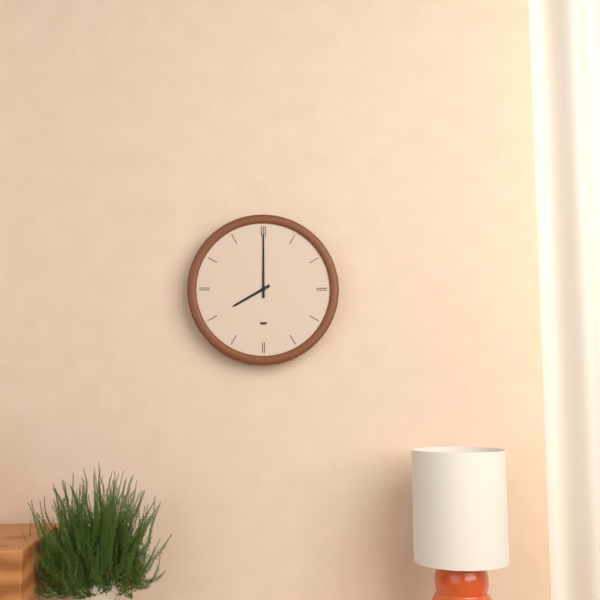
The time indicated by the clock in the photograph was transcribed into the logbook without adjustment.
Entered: 8:00
